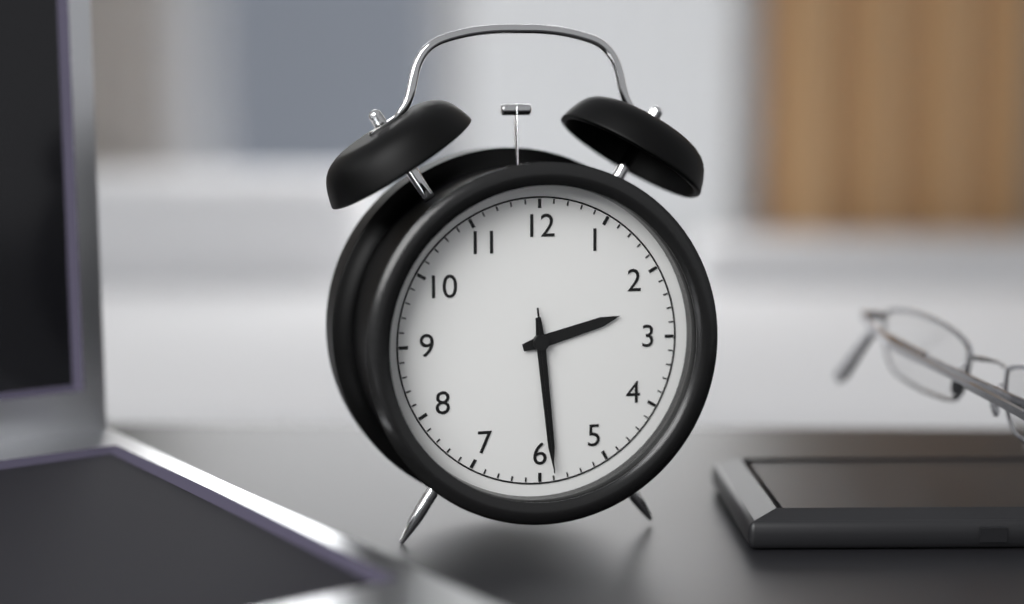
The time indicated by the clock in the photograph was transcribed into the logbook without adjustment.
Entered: 2:29:29
